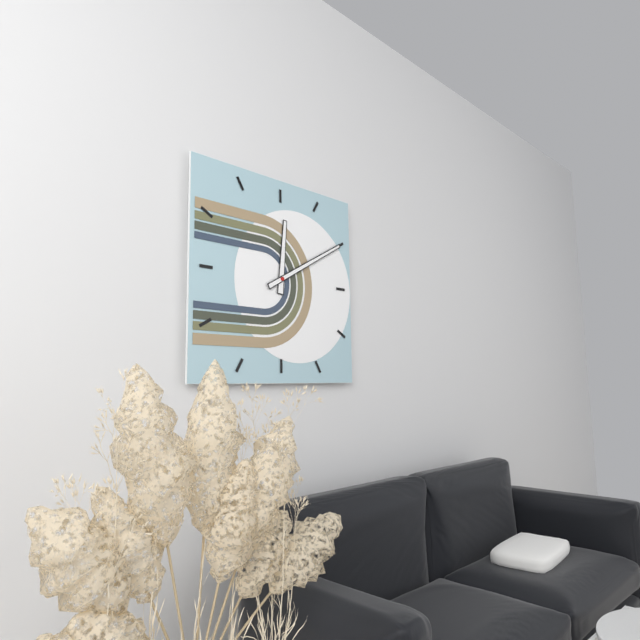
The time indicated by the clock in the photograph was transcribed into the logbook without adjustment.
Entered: 12:10
